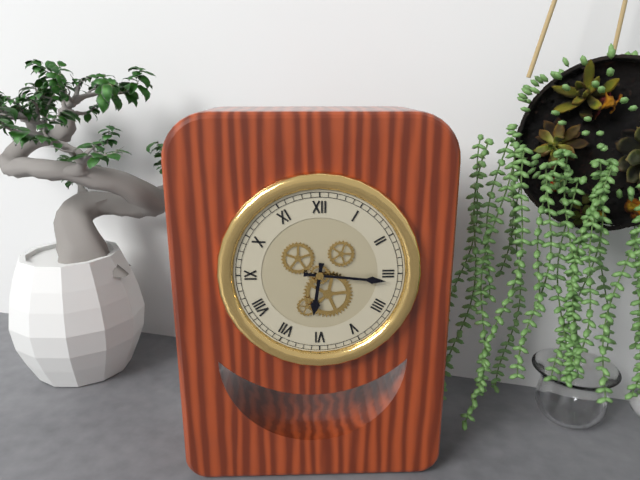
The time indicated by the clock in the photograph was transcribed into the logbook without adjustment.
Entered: 6:16
